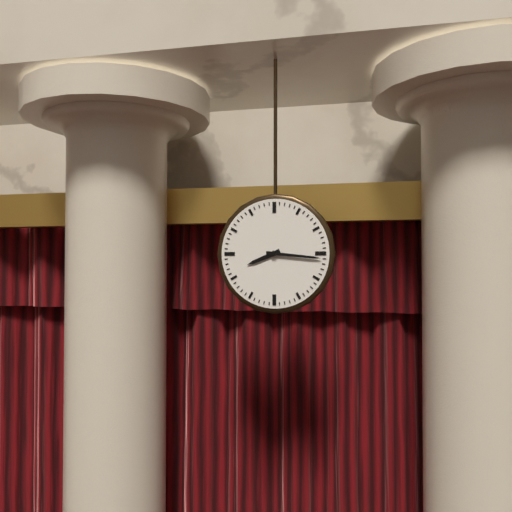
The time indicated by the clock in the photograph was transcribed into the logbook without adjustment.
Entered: 8:16
